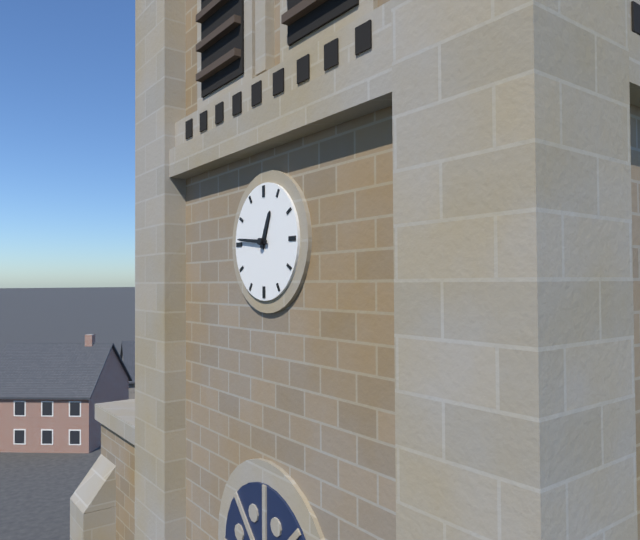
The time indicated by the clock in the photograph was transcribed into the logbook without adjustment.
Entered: 12:46
